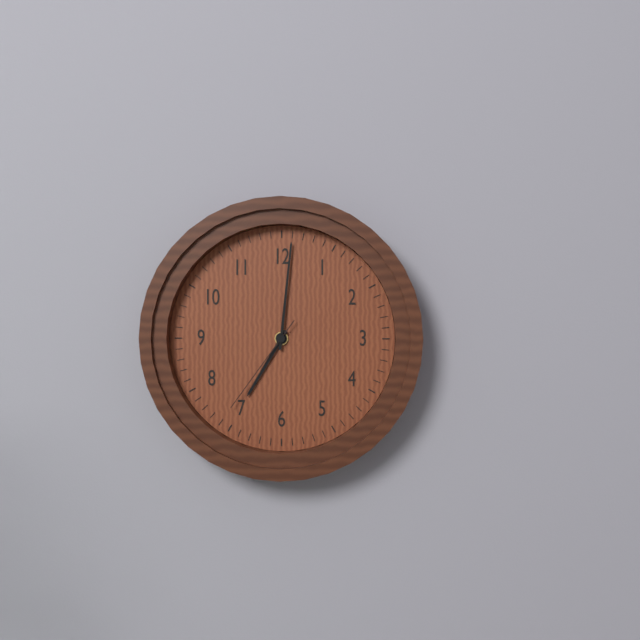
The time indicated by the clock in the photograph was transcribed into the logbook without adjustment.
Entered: 7:01:36
